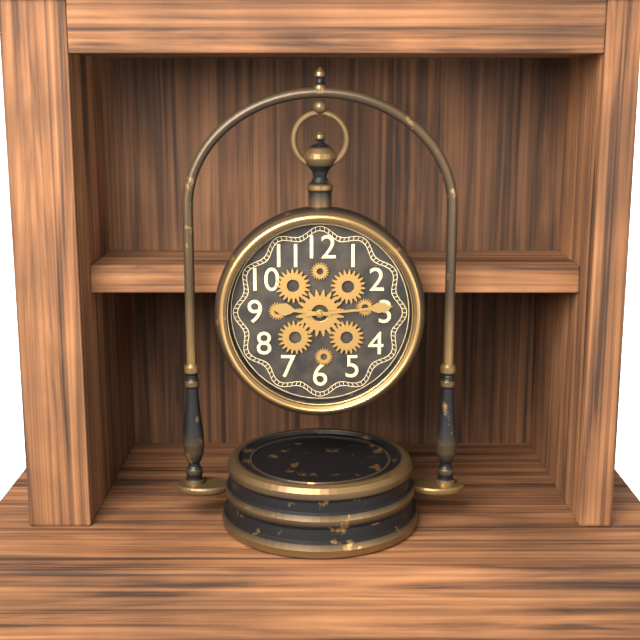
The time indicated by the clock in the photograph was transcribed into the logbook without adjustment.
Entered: 9:14
